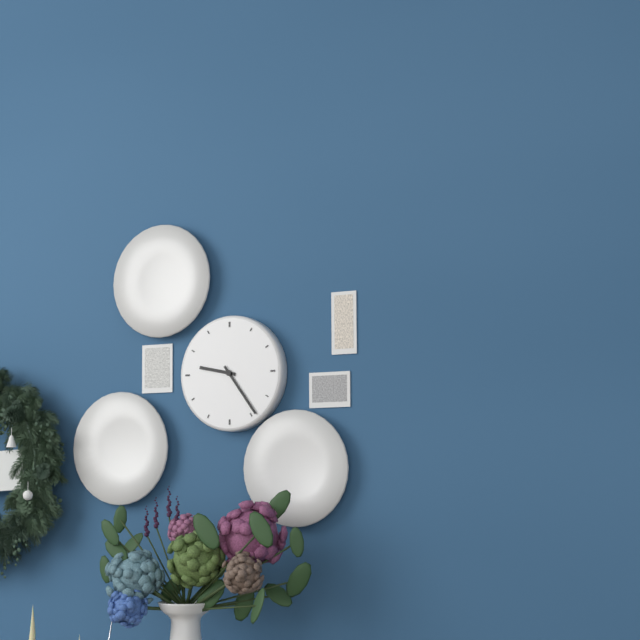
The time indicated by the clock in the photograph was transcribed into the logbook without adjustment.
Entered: 9:24
